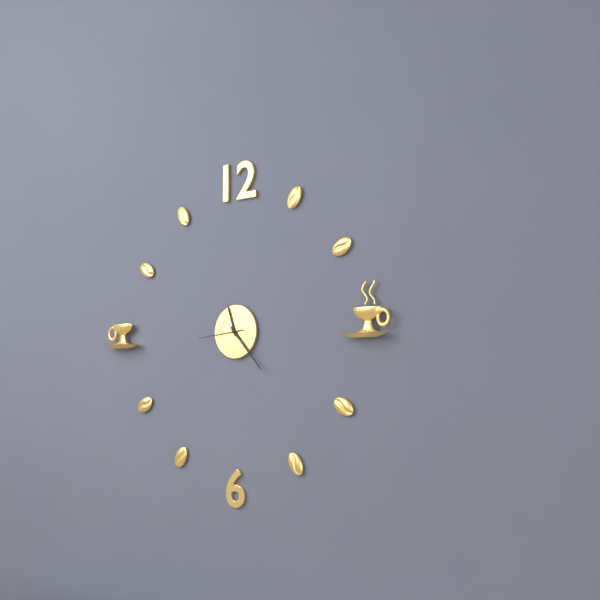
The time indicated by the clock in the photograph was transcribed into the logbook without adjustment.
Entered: 11:23
